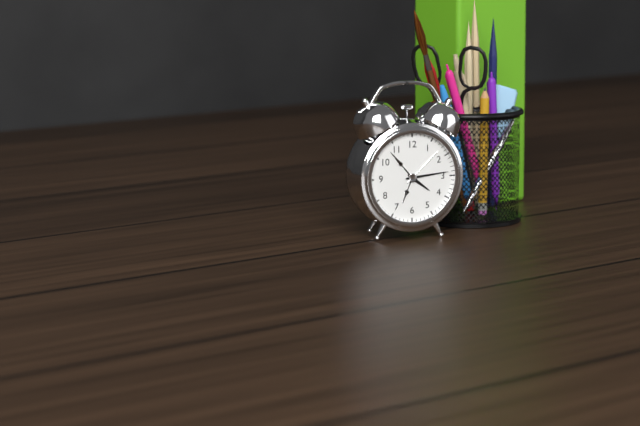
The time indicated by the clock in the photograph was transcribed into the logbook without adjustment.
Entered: 4:14
